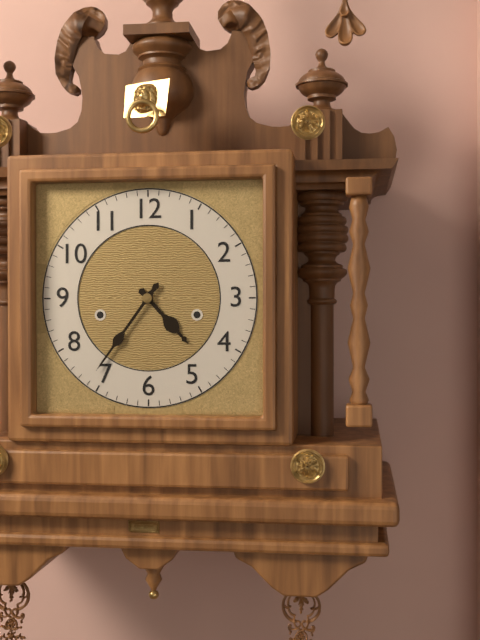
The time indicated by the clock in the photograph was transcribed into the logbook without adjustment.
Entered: 4:36
